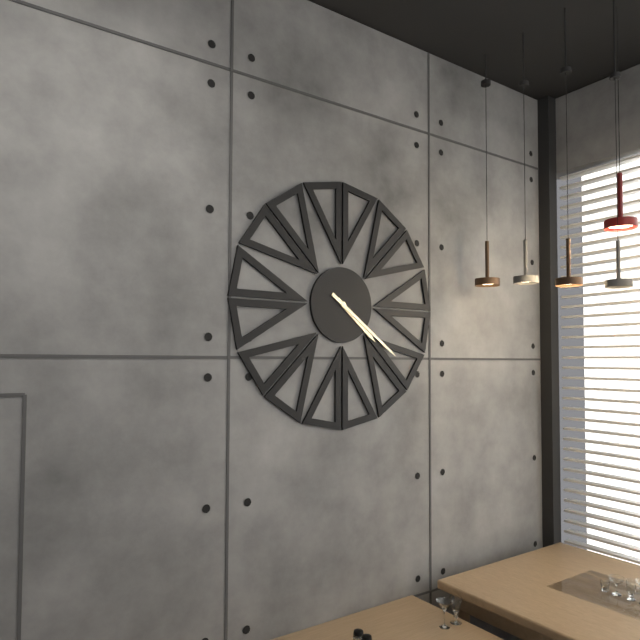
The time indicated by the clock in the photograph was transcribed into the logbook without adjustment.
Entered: 4:21
